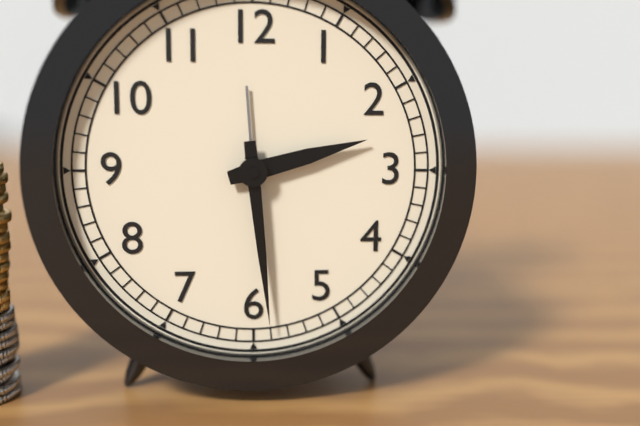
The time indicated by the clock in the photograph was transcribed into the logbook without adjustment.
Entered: 2:29
